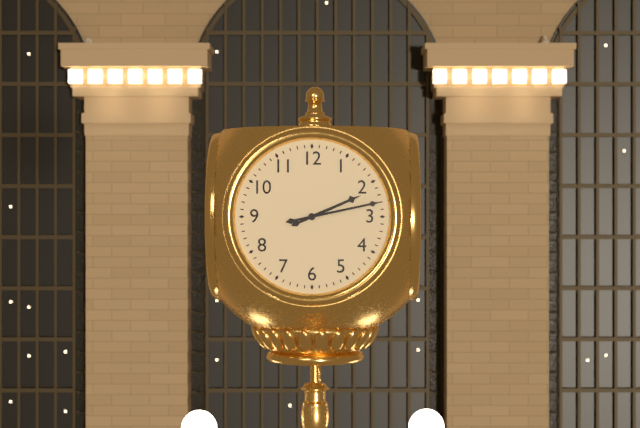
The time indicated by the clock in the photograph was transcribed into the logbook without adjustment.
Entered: 2:13
